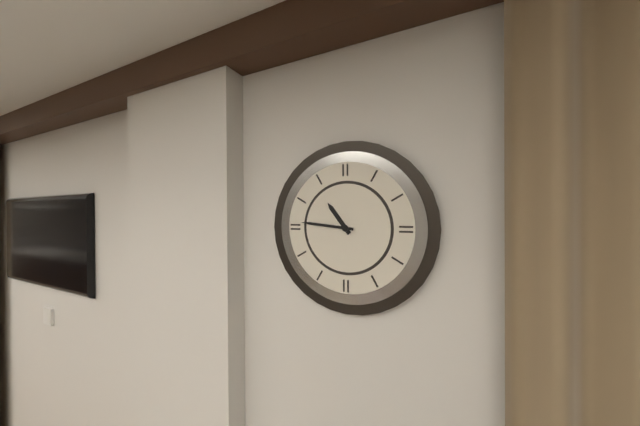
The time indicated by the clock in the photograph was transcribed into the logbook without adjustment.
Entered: 10:46
